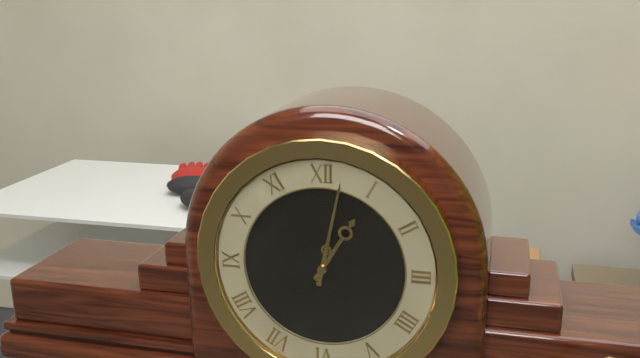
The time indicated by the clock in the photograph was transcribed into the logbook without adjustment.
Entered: 1:02
